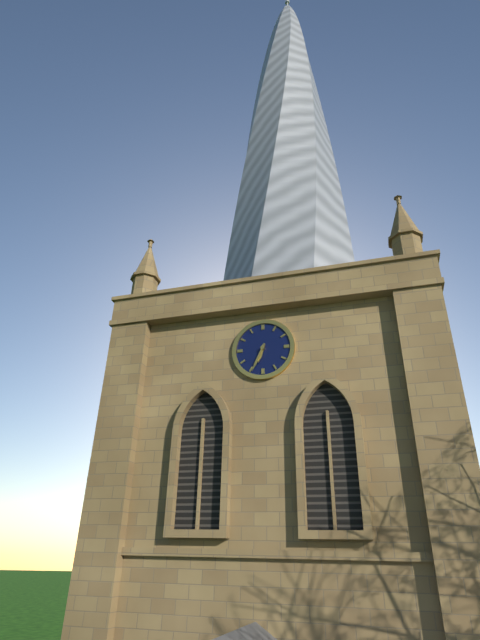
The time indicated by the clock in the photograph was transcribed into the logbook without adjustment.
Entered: 6:34
